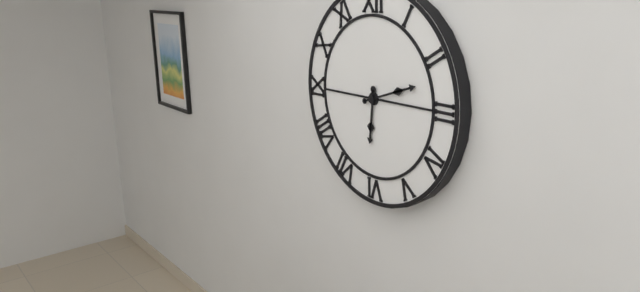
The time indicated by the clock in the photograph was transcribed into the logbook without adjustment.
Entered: 6:12
